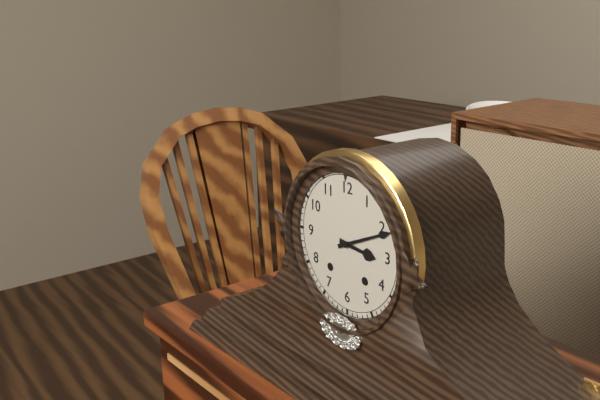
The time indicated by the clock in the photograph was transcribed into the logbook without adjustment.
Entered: 3:11
